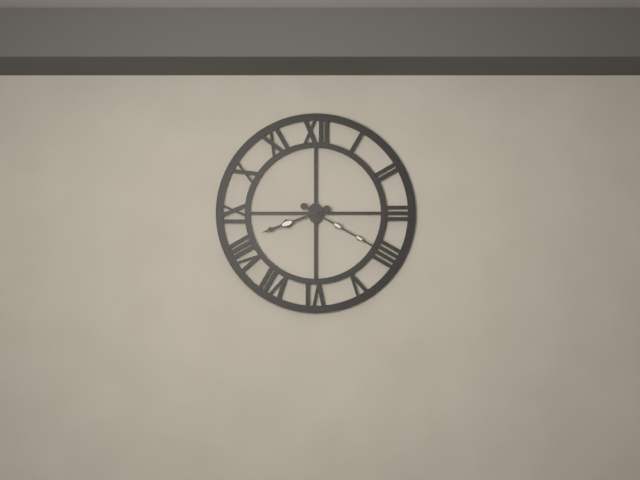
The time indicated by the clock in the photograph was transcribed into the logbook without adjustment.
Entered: 8:20
